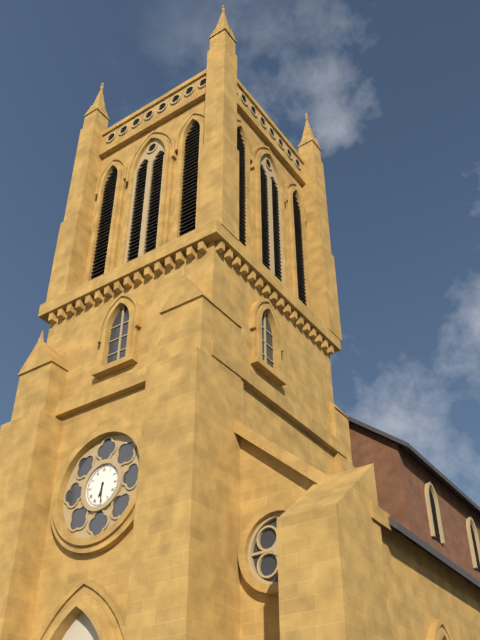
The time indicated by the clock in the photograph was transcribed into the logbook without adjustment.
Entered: 6:30
